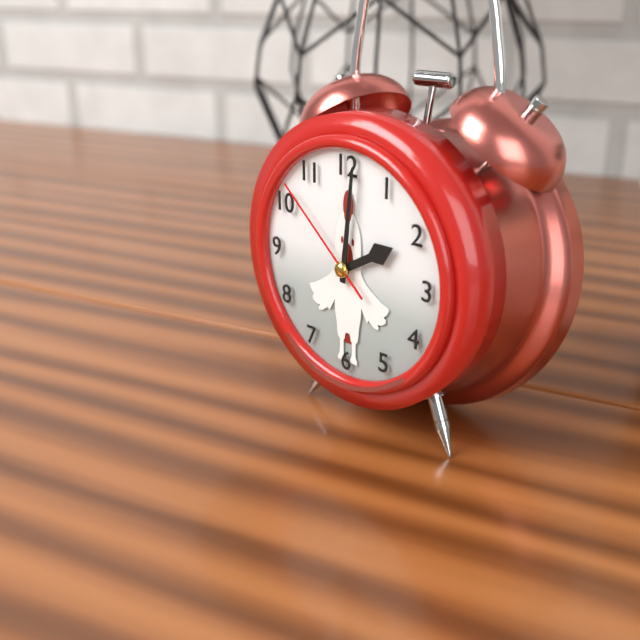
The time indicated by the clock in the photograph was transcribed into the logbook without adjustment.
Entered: 2:01:52
